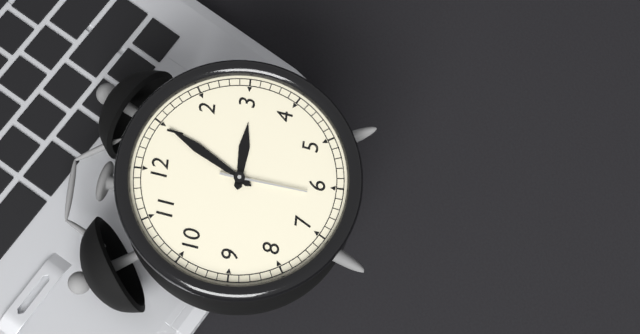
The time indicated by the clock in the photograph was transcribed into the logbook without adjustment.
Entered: 3:05:31
